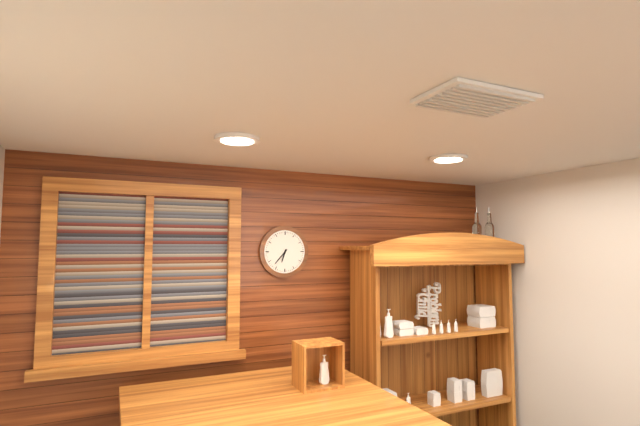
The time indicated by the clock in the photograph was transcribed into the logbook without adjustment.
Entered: 6:37
